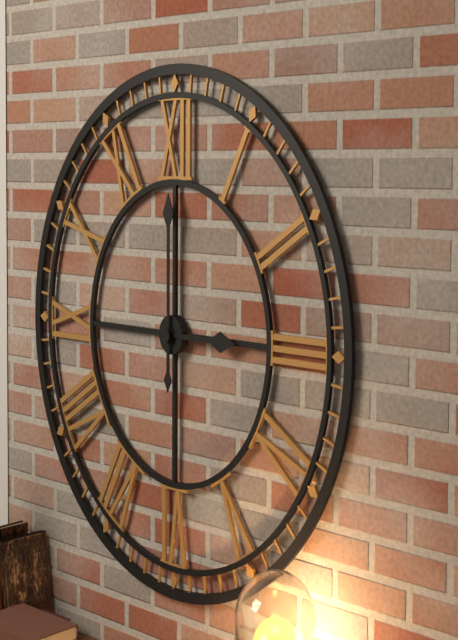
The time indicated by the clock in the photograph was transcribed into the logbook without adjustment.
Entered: 3:00
